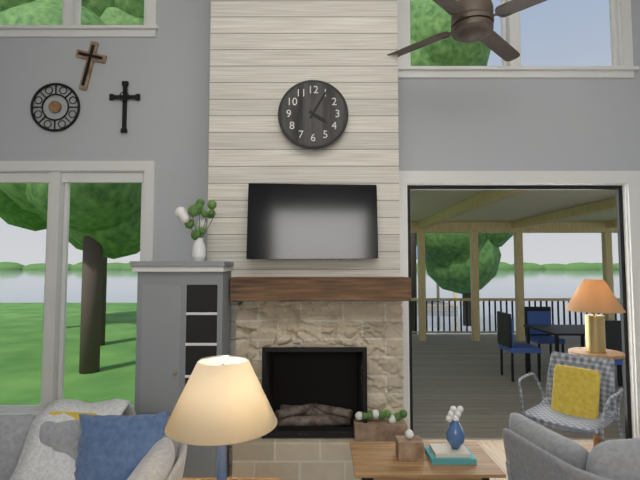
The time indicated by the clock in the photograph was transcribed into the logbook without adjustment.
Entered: 4:05
